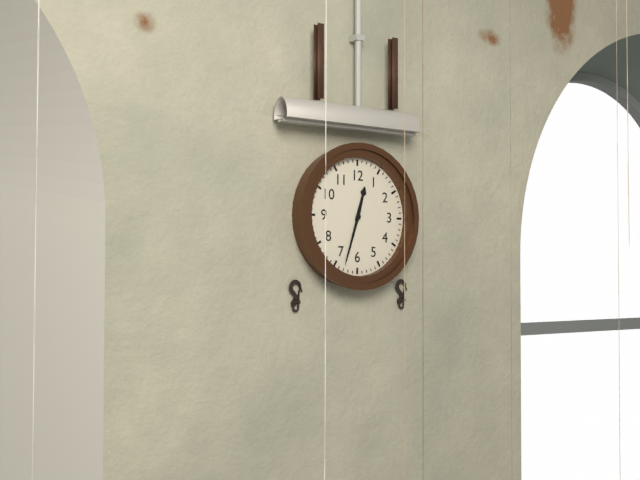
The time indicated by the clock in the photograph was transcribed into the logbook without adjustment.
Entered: 12:33
